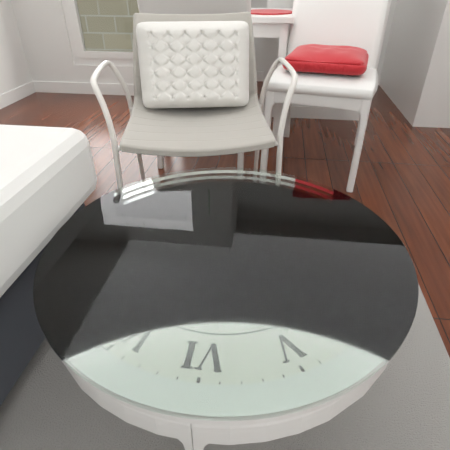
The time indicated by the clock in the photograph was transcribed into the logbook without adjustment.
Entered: 5:40
